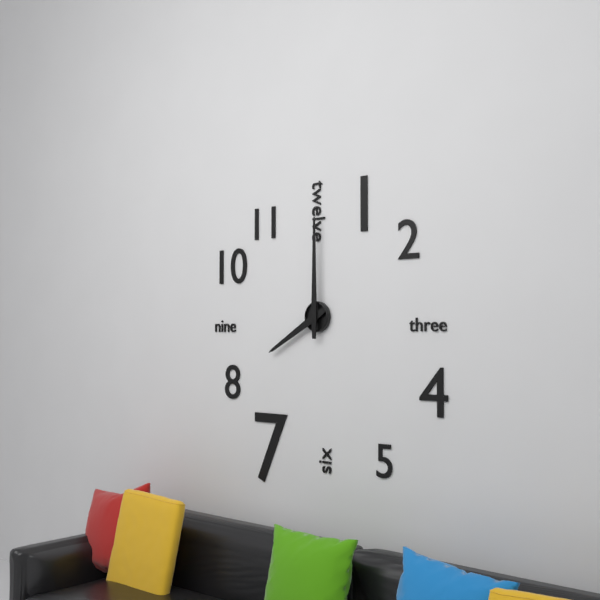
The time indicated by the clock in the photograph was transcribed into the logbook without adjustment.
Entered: 8:00
